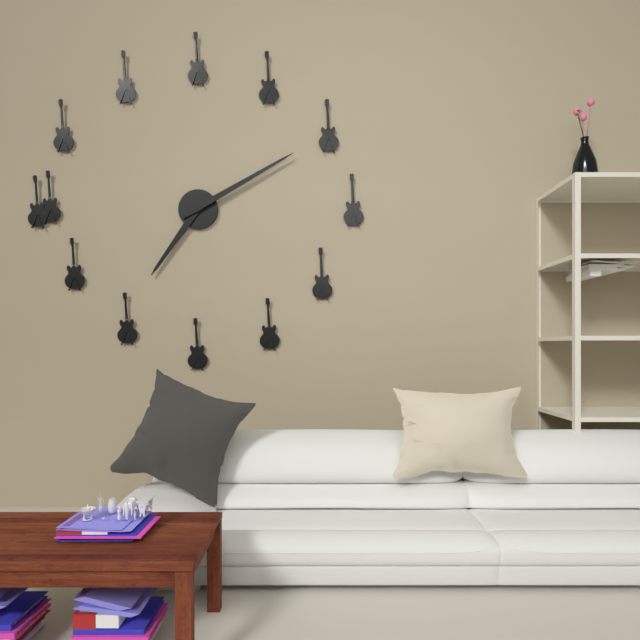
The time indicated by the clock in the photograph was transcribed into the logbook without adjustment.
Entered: 7:10
